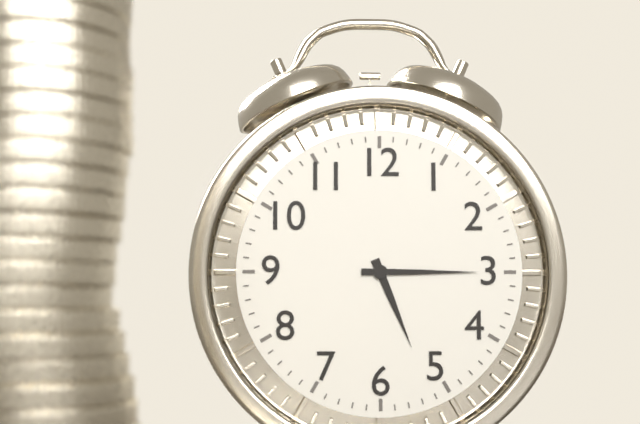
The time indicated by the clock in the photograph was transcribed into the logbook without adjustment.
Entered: 5:15
